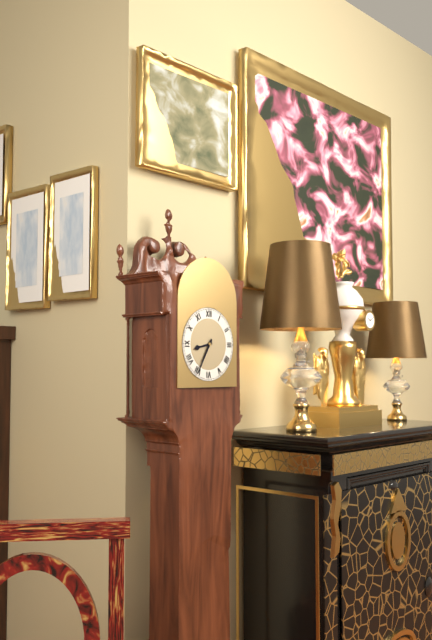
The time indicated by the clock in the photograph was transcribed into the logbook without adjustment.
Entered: 8:35
